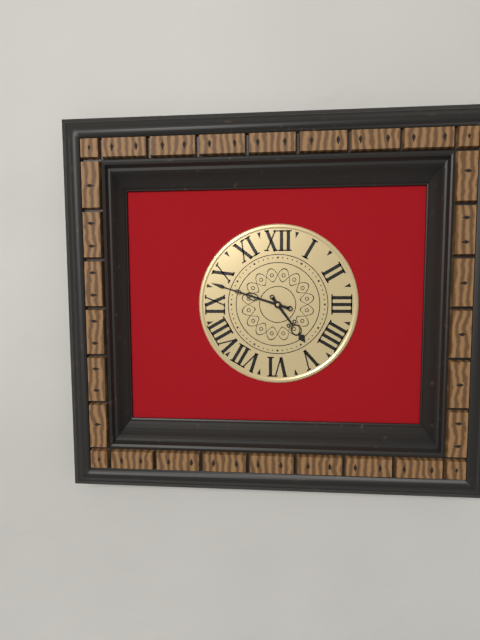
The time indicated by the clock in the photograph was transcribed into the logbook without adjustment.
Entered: 4:48
